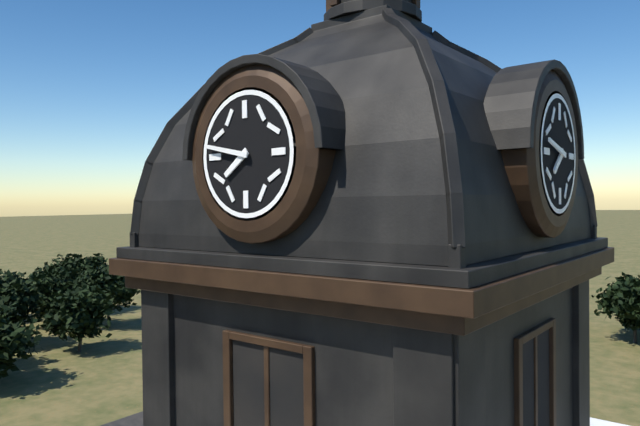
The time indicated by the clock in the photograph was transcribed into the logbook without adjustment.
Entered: 7:47
